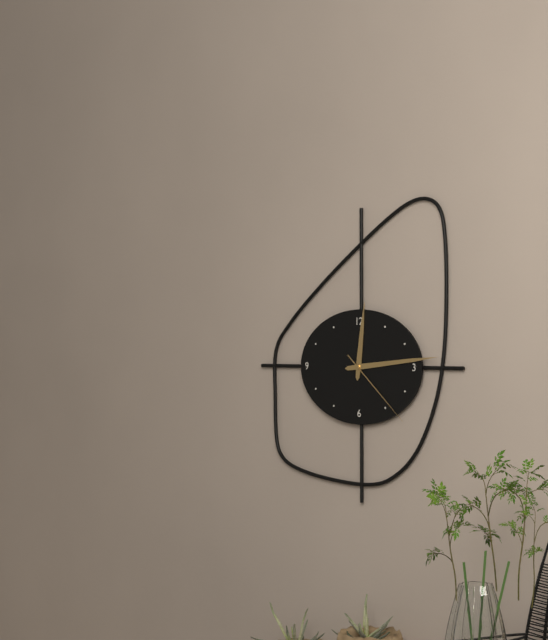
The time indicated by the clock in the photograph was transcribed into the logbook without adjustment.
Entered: 12:14:22
